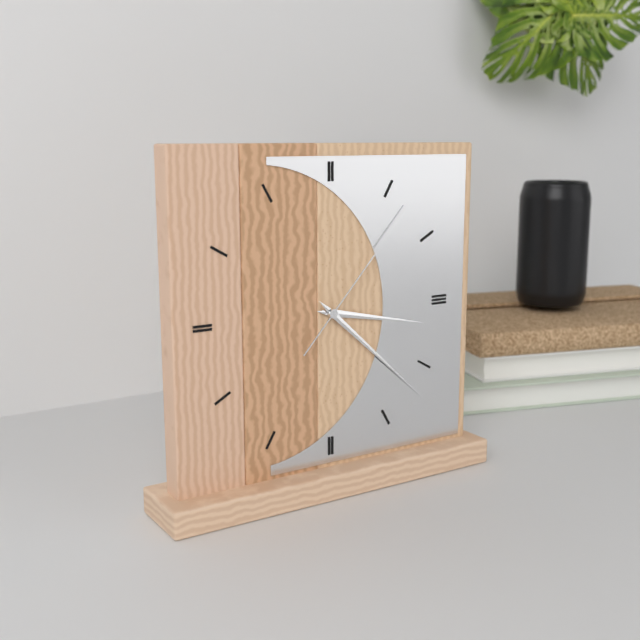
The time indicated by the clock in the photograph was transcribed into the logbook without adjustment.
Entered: 3:22:07
